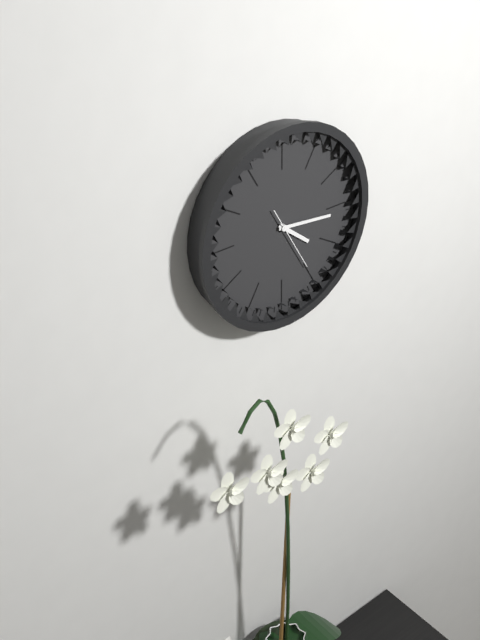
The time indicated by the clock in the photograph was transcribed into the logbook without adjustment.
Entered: 4:16:25
